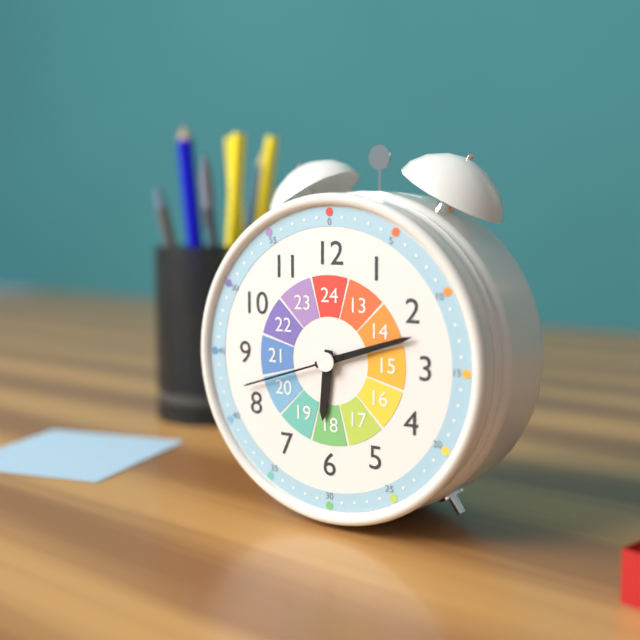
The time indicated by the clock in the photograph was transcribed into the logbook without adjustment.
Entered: 6:12:42
